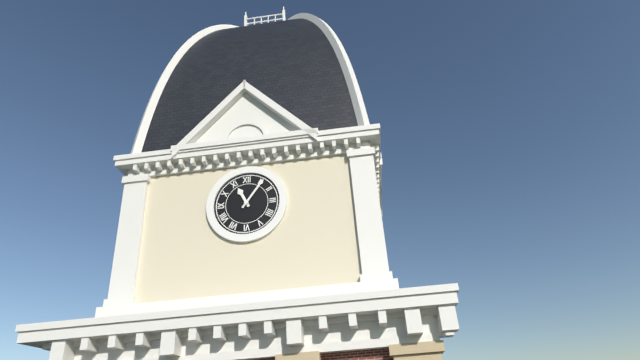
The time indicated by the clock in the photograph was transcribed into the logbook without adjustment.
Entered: 11:06
